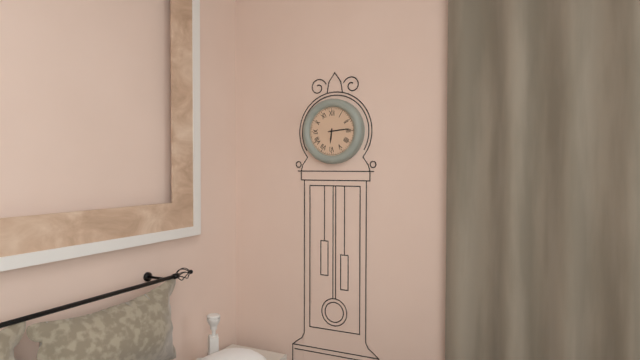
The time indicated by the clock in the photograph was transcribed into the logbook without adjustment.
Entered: 6:14
